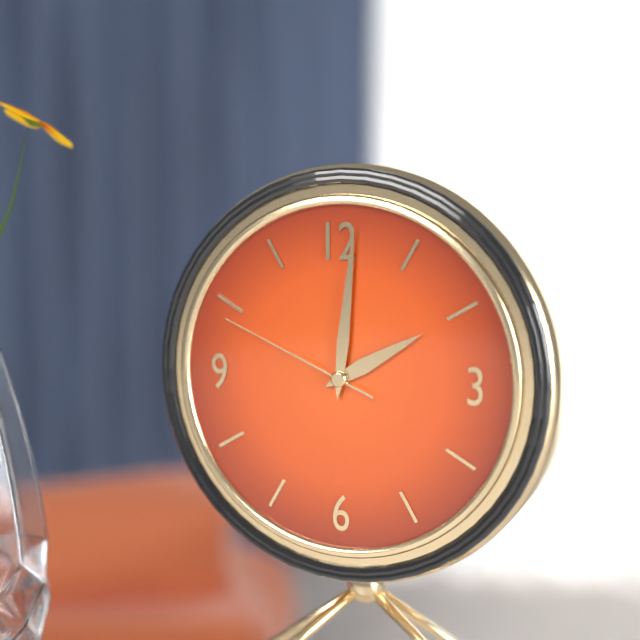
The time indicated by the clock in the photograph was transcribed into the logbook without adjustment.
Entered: 2:01:49
